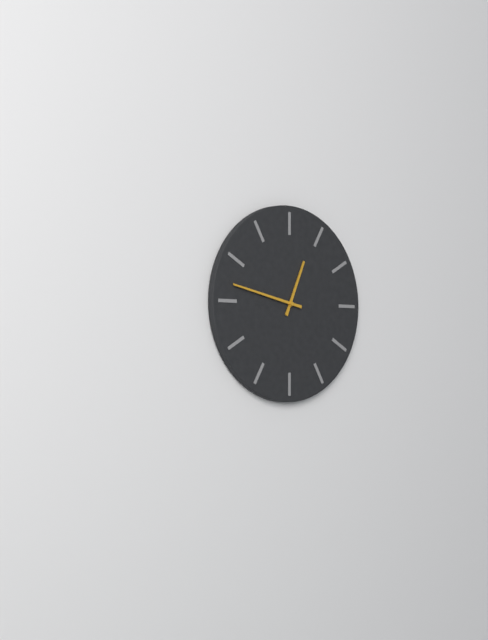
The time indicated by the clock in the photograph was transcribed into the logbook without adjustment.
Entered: 12:47
